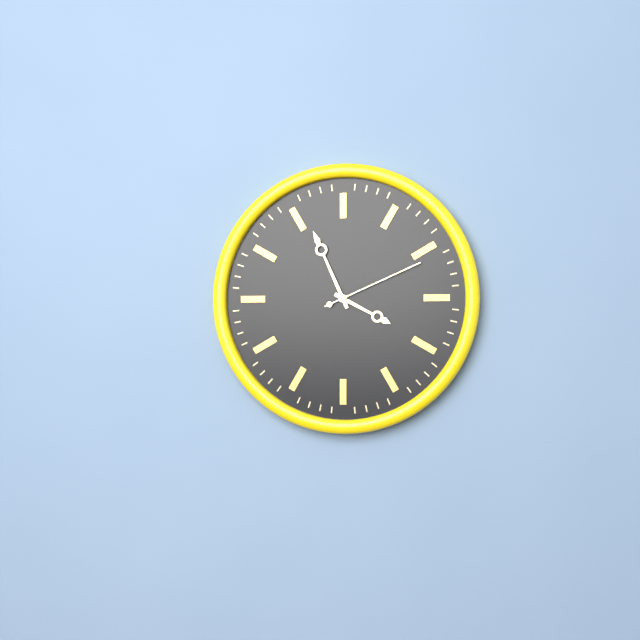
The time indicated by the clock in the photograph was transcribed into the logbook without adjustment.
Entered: 3:56:11
